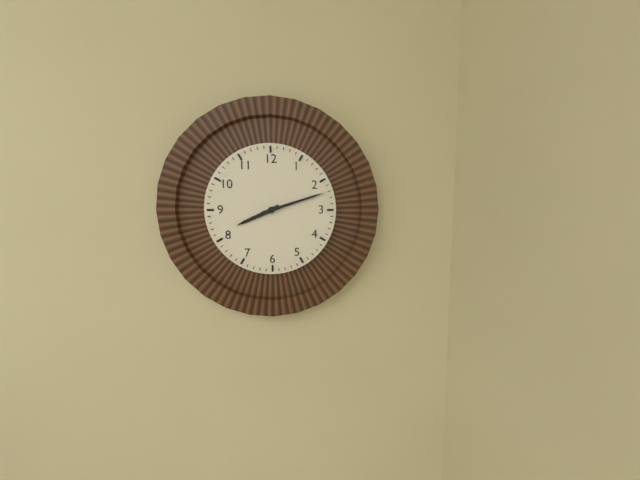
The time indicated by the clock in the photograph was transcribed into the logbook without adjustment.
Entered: 8:12
